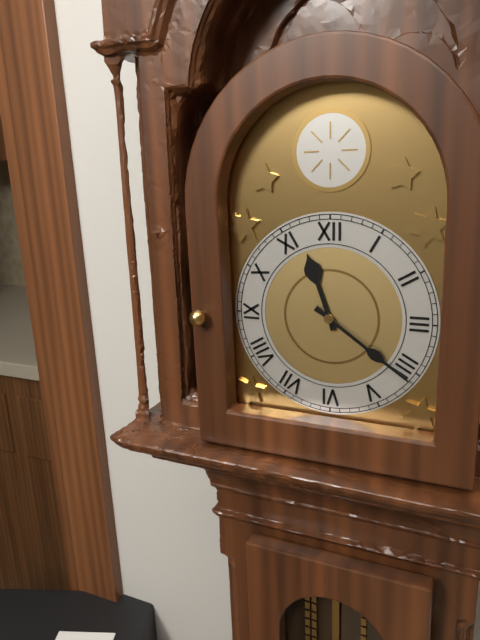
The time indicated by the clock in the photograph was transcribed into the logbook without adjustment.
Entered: 11:21
